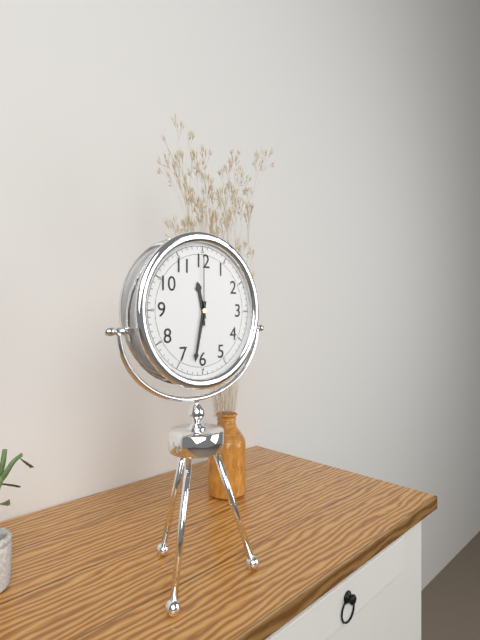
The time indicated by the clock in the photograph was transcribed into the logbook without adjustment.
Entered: 11:32:00
